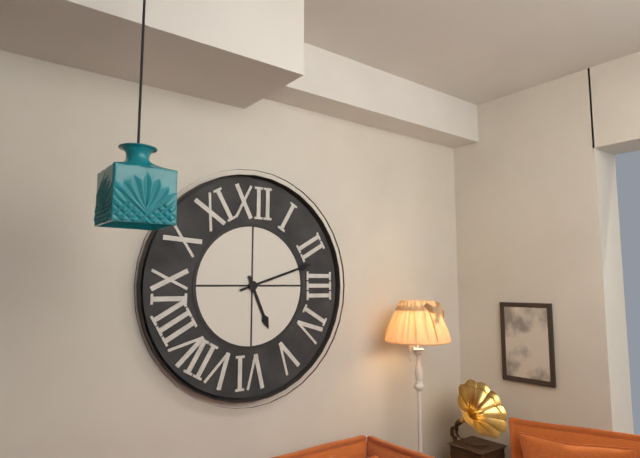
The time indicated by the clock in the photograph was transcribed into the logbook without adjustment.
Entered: 5:12
